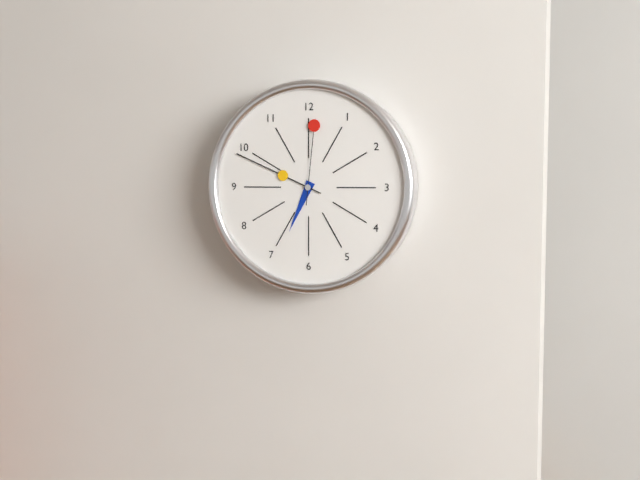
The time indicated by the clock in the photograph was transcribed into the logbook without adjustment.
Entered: 6:49:01
